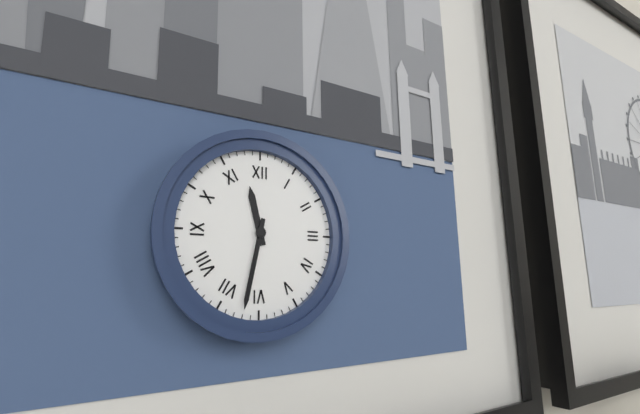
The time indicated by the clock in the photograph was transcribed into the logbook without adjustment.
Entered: 11:32
